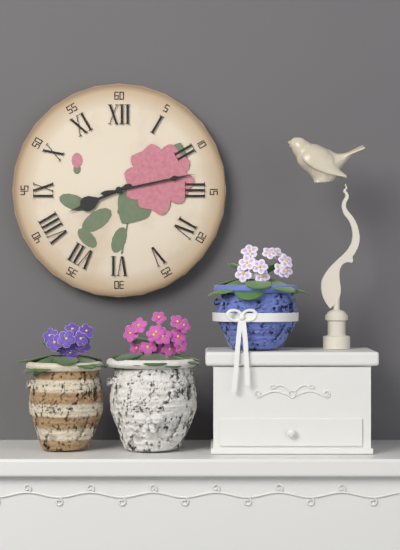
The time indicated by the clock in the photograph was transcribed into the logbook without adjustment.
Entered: 8:13
